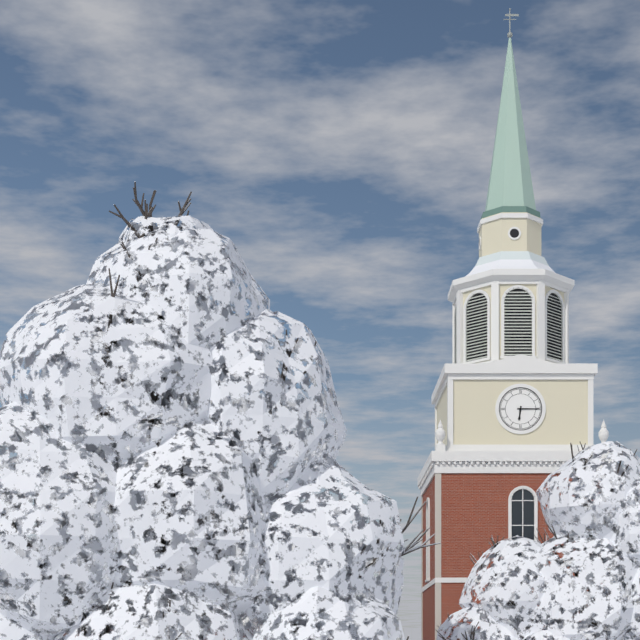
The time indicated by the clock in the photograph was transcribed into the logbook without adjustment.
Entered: 6:15
